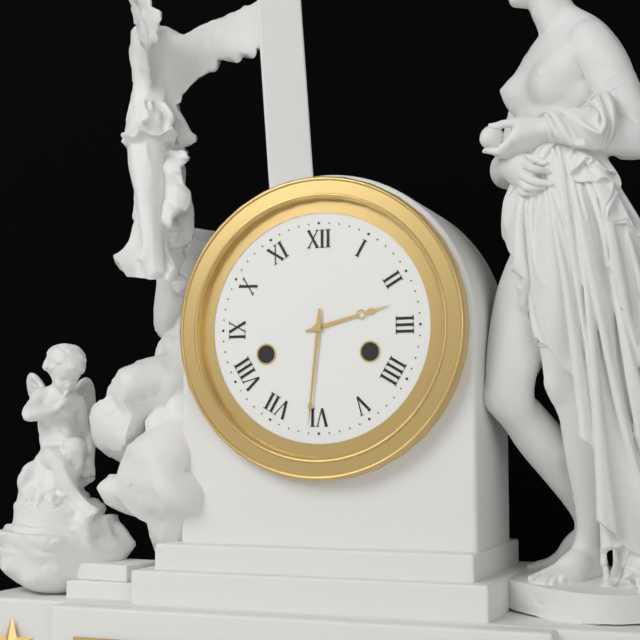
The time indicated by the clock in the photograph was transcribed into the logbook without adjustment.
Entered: 2:31
